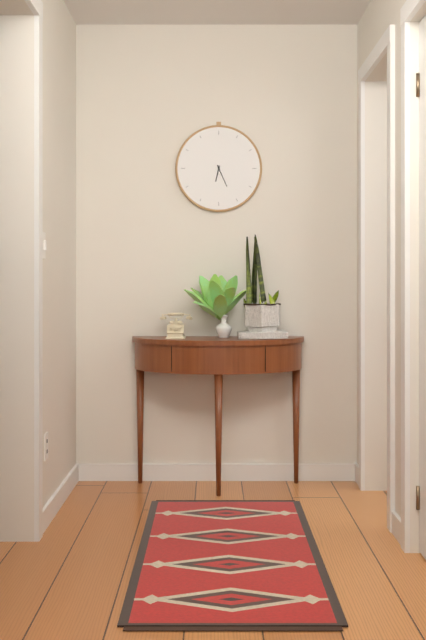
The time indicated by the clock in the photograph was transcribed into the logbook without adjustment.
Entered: 6:26
